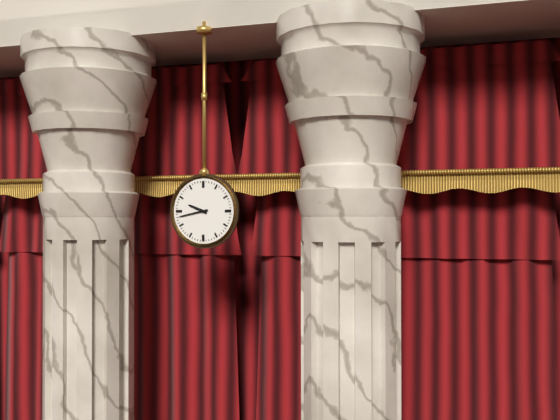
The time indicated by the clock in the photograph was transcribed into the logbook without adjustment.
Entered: 9:43
